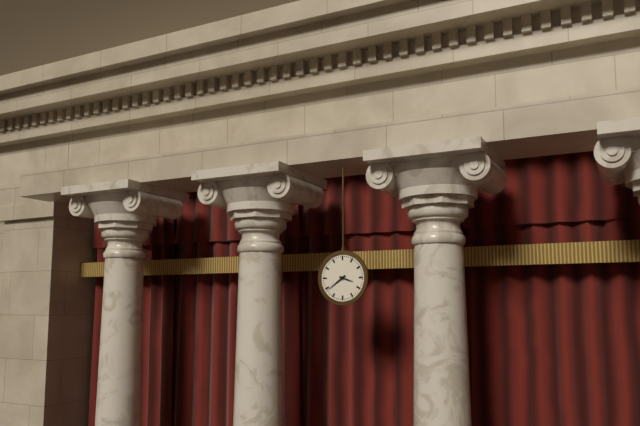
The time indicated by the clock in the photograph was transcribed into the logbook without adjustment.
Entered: 3:39
